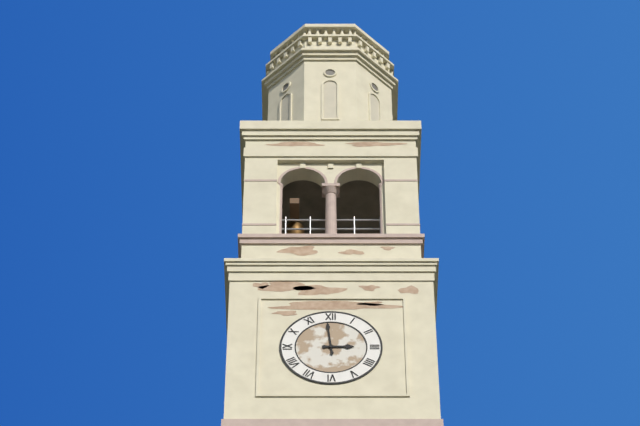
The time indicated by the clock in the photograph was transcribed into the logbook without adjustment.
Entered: 2:59
